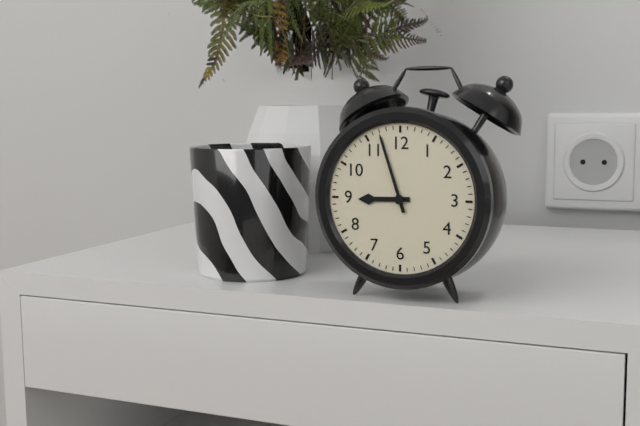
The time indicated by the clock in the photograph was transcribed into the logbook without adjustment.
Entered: 8:57
